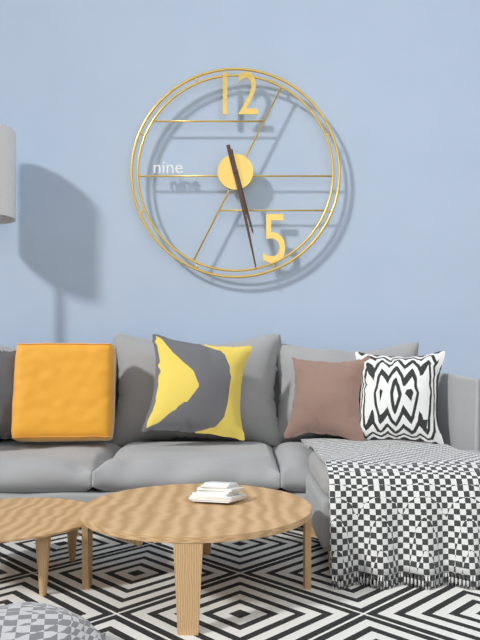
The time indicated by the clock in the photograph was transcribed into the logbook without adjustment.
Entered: 5:28
